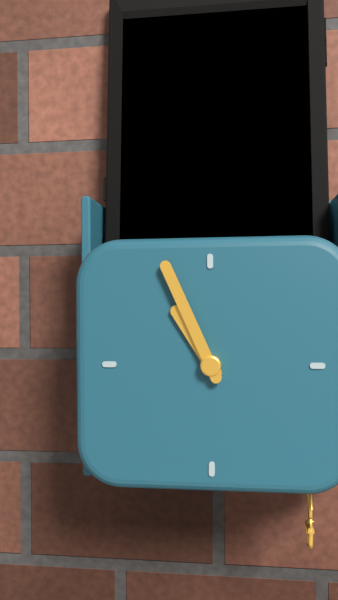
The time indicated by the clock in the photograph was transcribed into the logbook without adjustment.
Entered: 10:56
